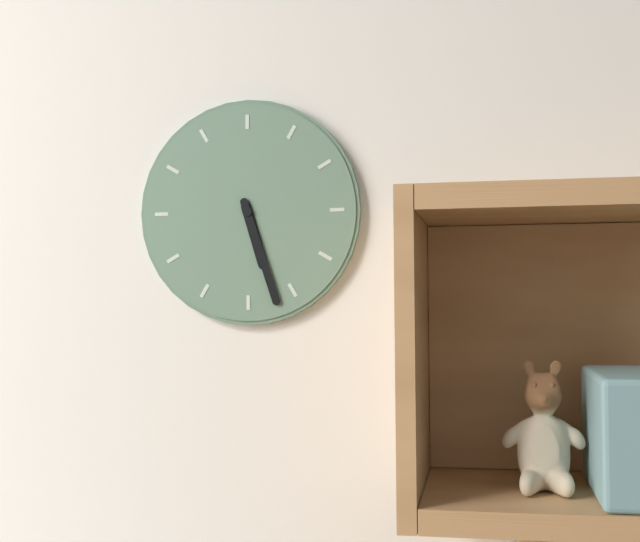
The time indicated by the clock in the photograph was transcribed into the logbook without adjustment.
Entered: 5:27
